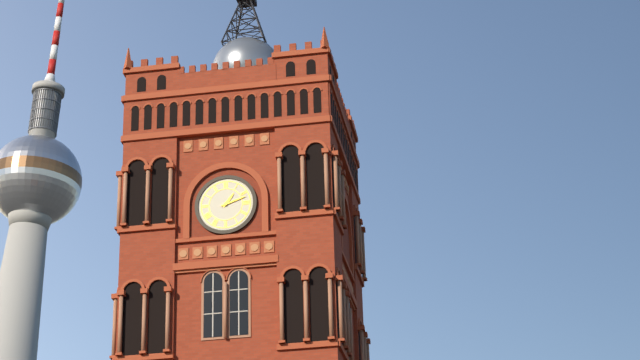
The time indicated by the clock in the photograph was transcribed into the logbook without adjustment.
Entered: 1:12
